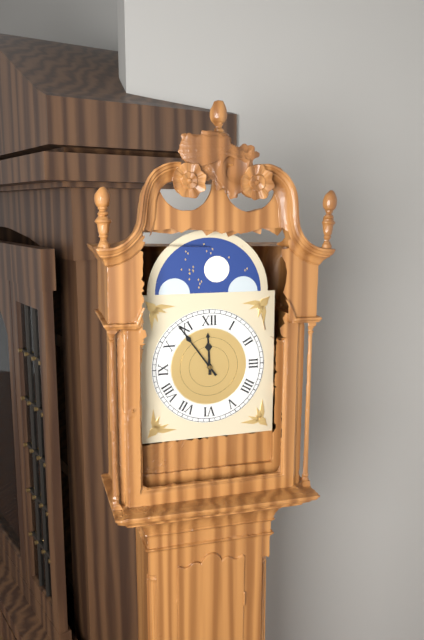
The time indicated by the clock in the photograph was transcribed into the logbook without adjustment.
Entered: 11:54
